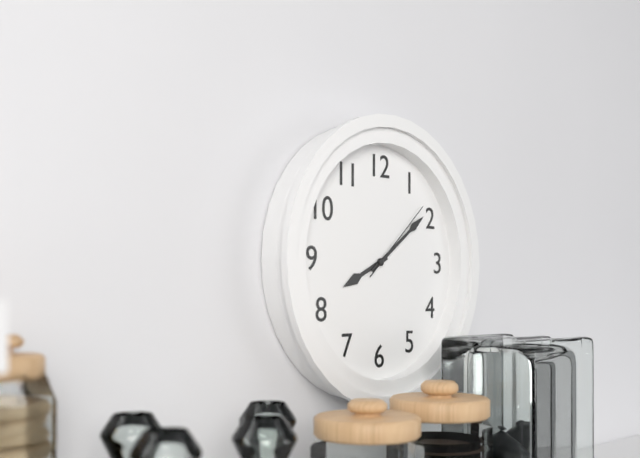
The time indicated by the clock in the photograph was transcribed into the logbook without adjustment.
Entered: 8:09:08
